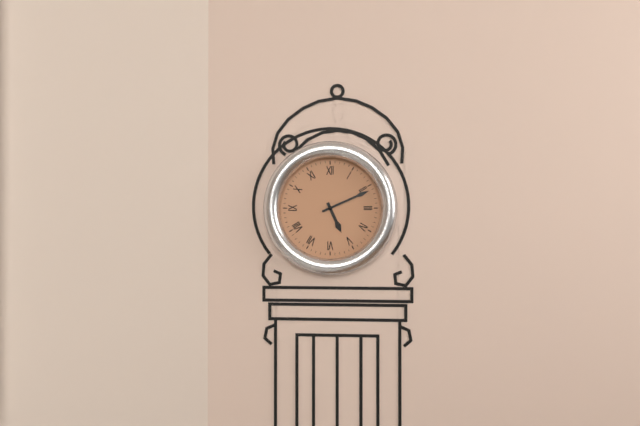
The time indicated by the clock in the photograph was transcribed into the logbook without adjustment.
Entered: 5:11
